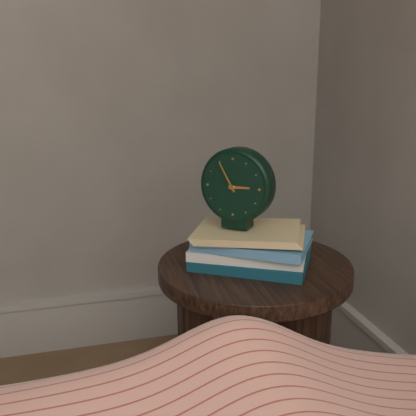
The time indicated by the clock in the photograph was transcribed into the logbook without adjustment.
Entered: 2:55
